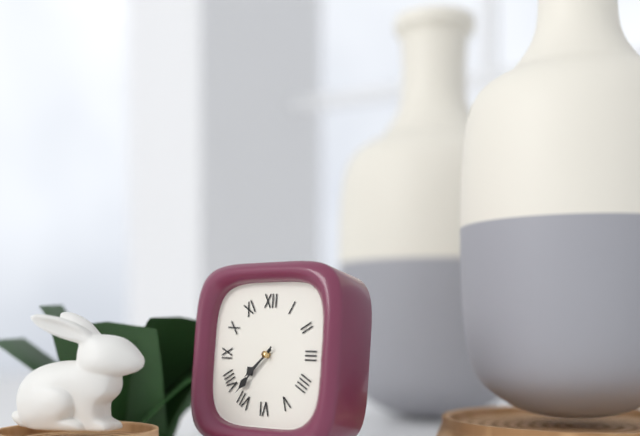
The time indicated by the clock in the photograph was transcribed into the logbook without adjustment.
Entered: 7:37
